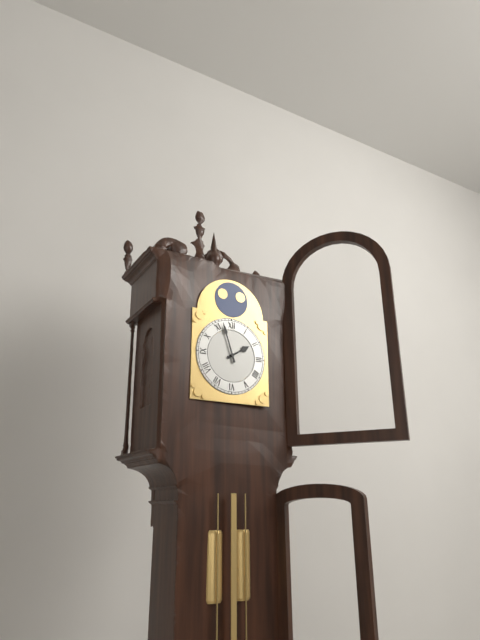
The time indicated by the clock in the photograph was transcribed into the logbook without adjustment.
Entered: 1:57
